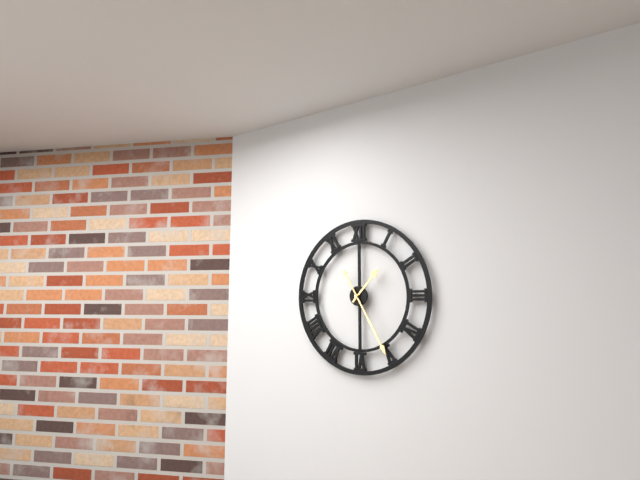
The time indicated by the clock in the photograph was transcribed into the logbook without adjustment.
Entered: 1:25
